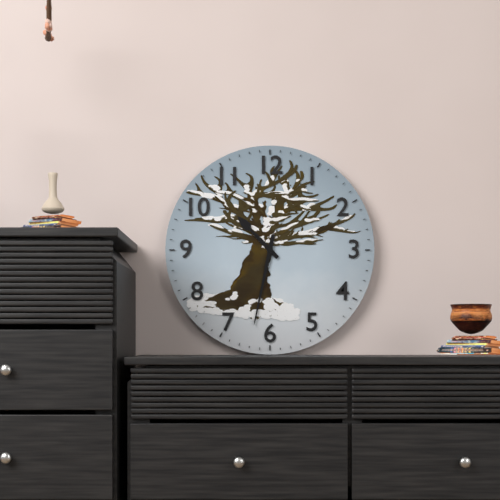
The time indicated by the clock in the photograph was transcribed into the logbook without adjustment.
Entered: 10:32
